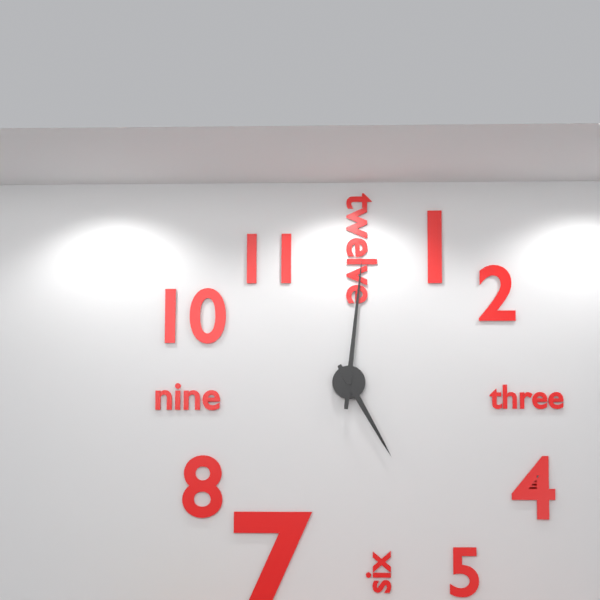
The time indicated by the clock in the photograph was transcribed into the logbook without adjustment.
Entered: 5:01
